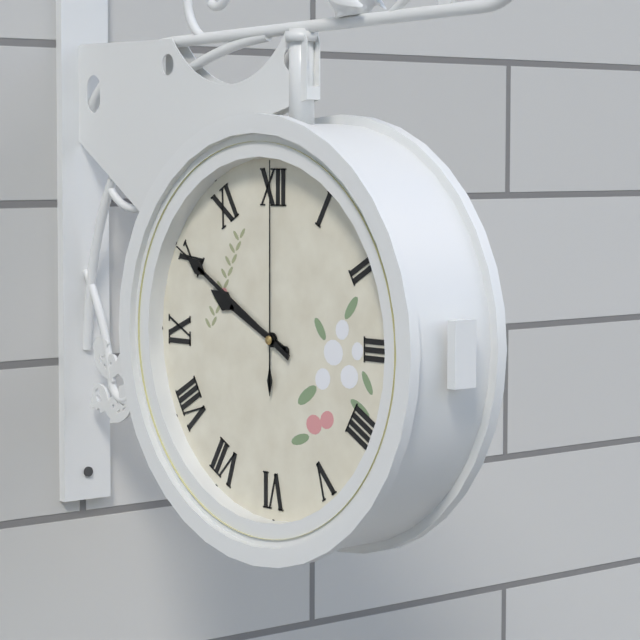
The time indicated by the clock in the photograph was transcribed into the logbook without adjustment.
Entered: 9:50:00
